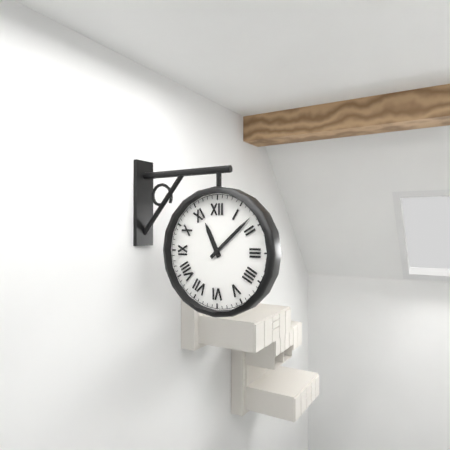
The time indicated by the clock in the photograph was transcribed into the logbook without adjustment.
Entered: 11:08
